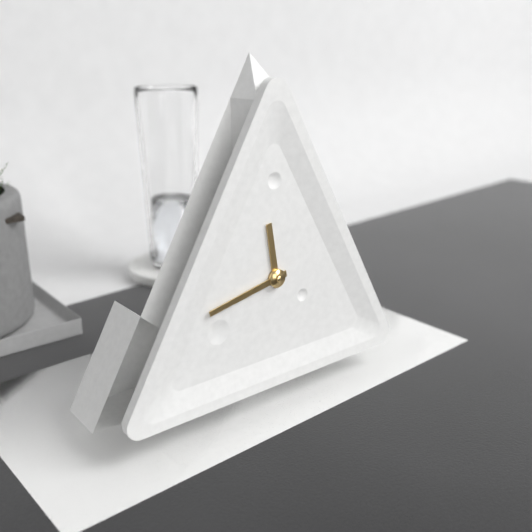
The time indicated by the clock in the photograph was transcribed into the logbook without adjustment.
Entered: 11:43
